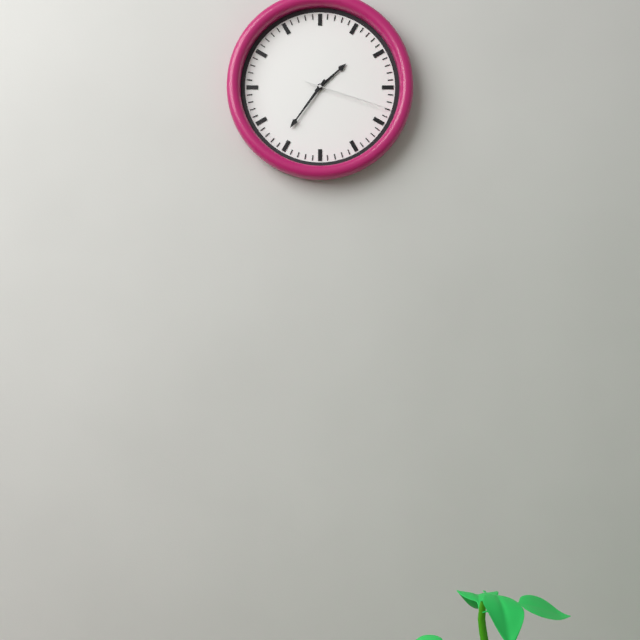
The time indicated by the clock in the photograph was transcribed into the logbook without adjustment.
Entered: 1:36:18
